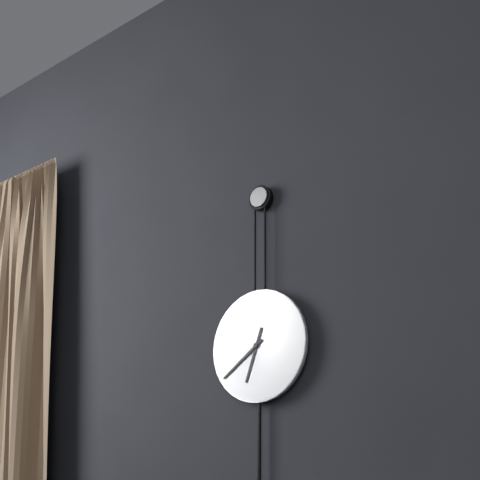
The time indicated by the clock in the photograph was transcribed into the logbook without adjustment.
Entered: 6:39
